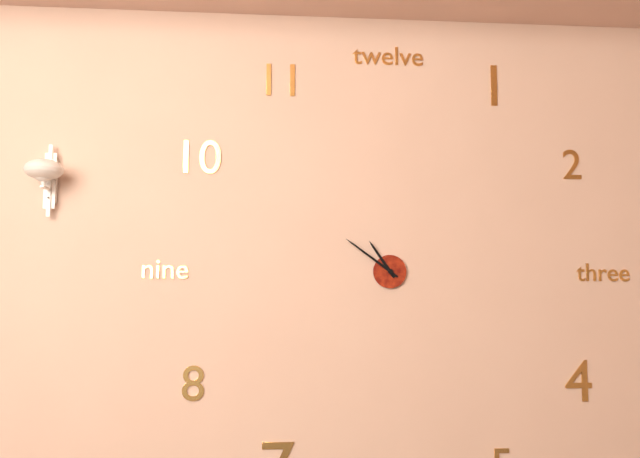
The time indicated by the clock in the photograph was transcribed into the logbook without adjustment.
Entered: 10:51
